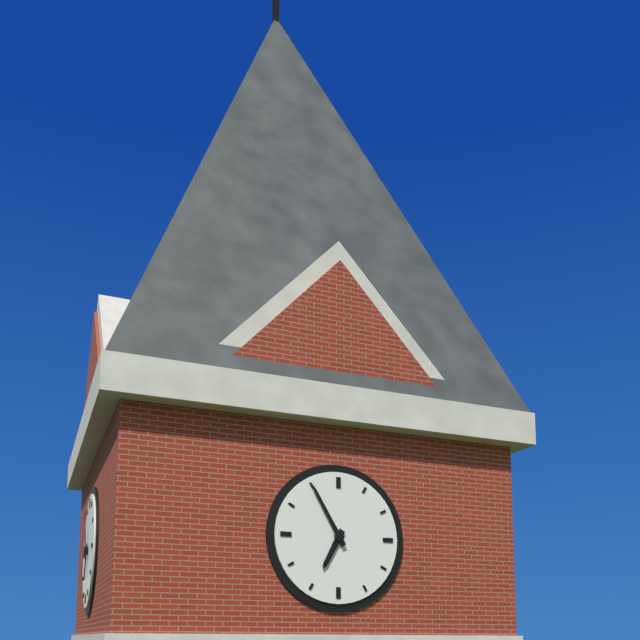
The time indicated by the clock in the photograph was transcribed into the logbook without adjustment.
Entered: 6:55
